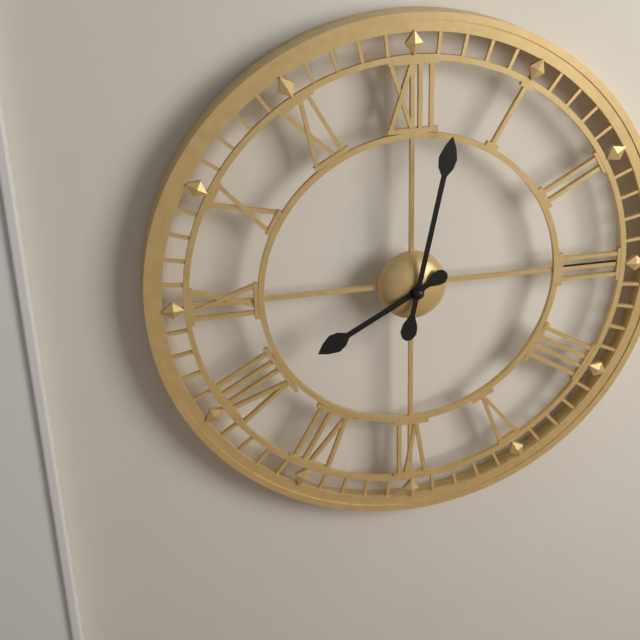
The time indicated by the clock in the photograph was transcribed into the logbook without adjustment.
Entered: 8:02
